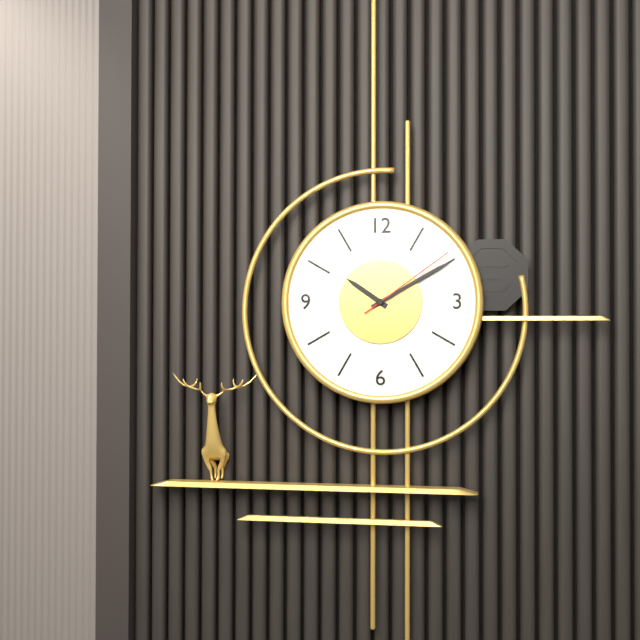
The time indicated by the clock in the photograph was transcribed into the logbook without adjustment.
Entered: 10:10:09
